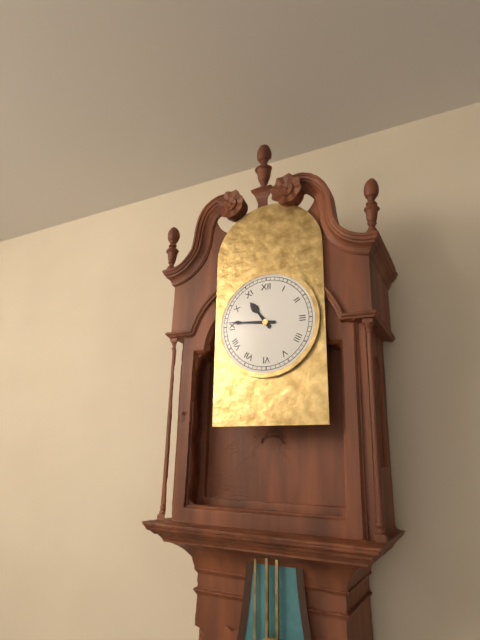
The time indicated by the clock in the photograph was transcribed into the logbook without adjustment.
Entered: 10:46
